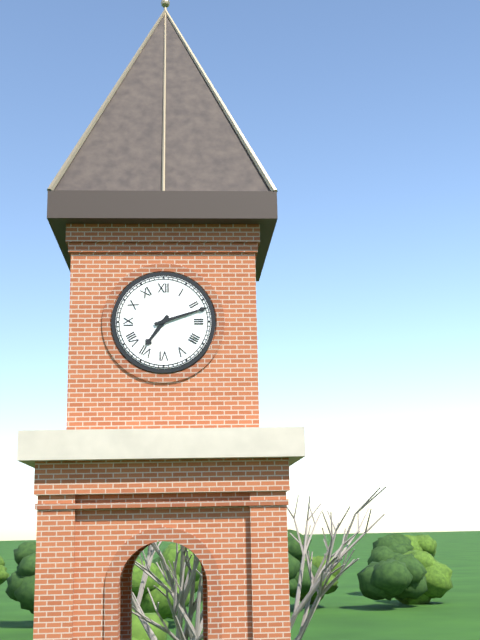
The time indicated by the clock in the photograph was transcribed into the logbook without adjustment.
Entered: 7:12
